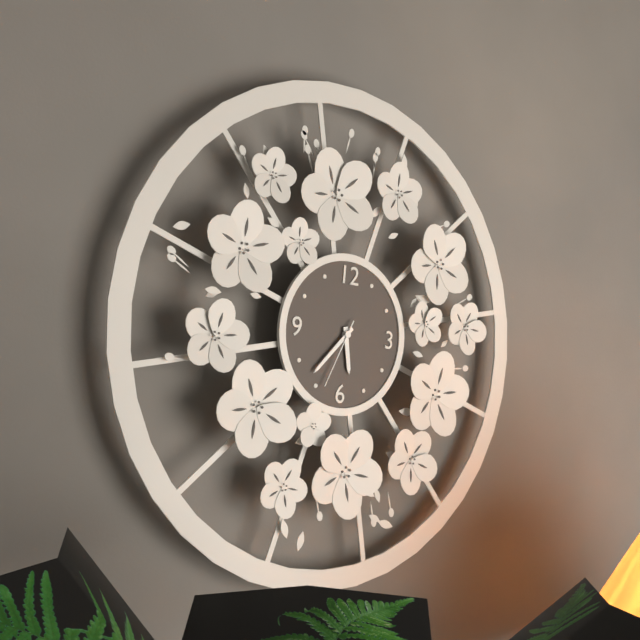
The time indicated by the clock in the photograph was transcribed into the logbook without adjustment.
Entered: 5:37:34
